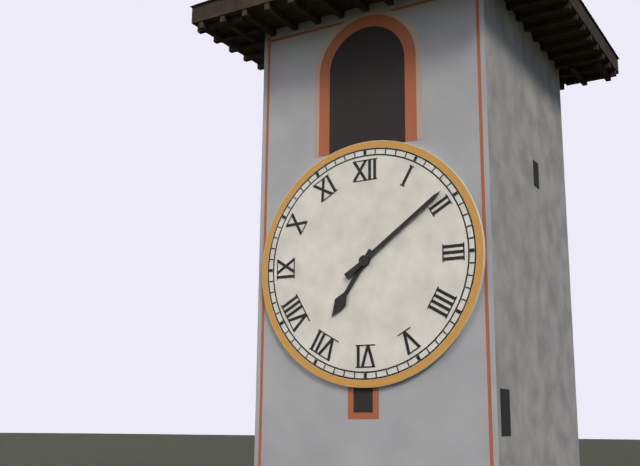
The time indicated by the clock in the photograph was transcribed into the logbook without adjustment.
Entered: 7:09
